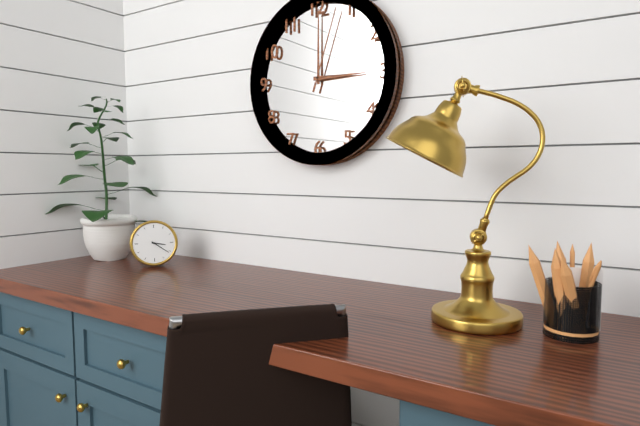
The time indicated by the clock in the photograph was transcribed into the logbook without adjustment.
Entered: 3:21
